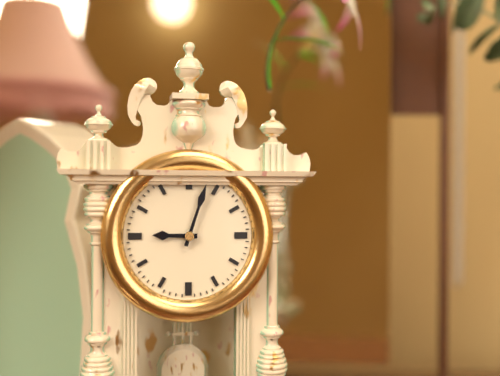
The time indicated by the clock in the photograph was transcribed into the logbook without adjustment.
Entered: 9:03
